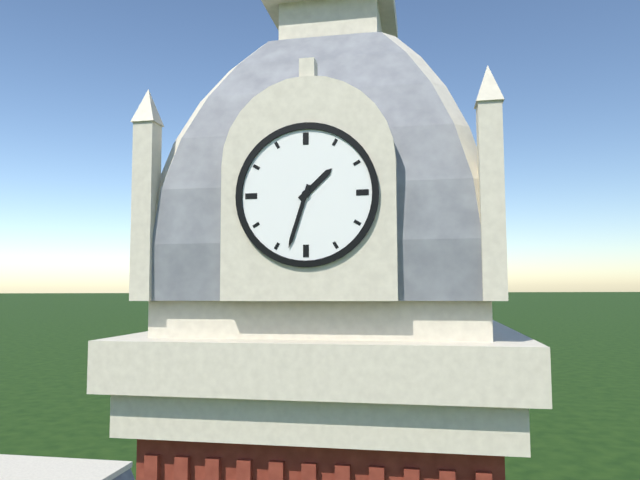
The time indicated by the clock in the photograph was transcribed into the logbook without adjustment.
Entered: 1:33
